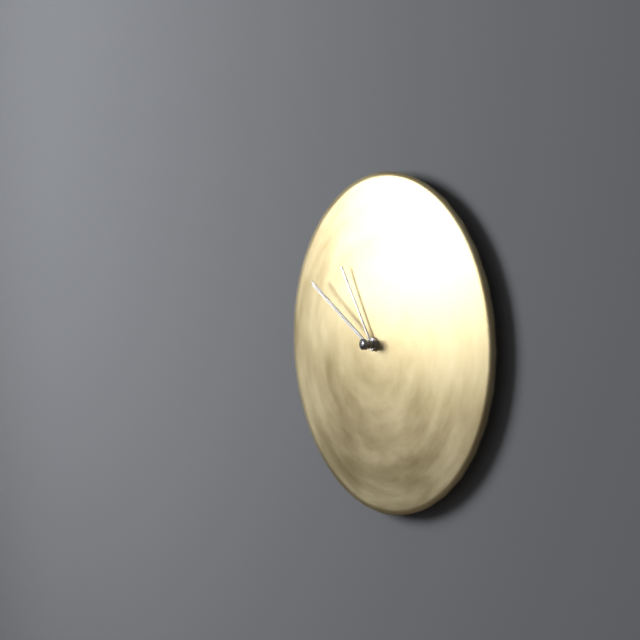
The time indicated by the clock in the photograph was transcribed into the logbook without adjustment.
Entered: 10:50:50
